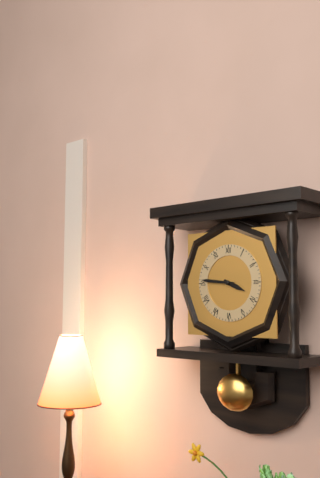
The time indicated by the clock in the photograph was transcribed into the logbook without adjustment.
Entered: 3:46
